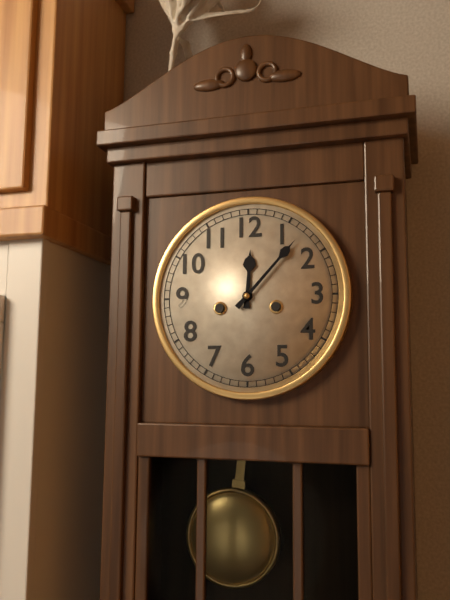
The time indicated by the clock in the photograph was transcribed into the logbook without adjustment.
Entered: 12:07
